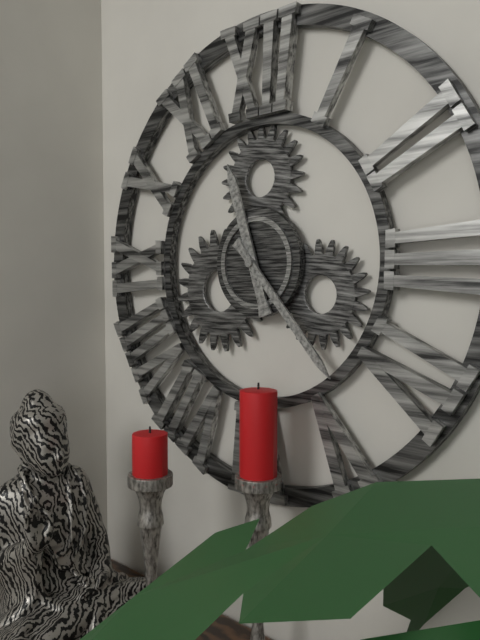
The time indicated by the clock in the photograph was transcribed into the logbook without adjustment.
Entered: 11:23
